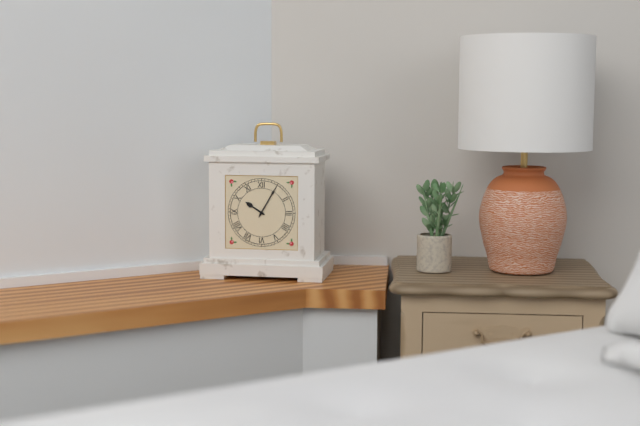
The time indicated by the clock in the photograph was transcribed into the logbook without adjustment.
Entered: 10:05
